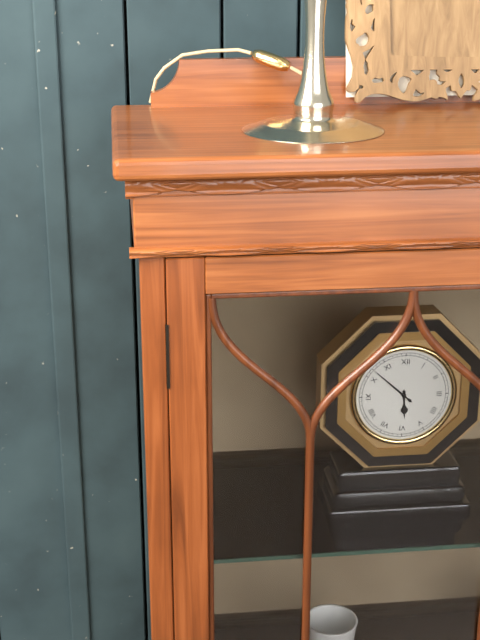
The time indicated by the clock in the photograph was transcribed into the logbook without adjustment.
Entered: 5:52
